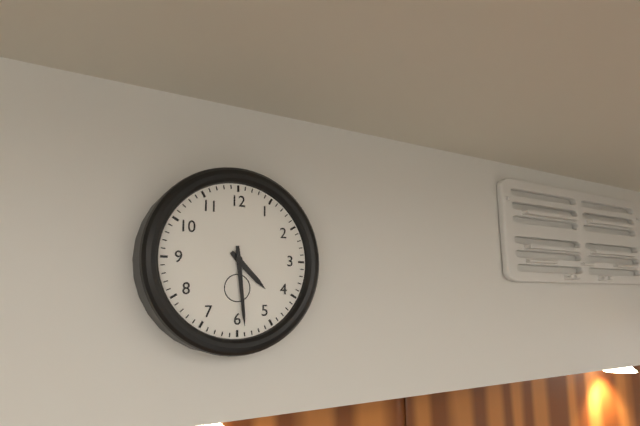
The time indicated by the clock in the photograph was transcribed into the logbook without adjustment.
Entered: 4:29
